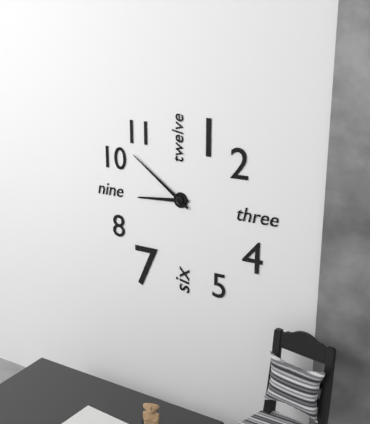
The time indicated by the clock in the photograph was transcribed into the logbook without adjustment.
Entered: 8:51
